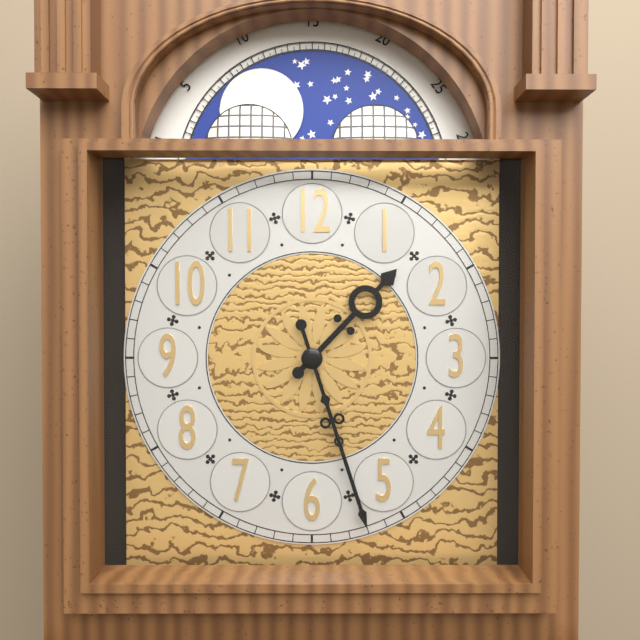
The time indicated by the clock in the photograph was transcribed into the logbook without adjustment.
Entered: 1:27
